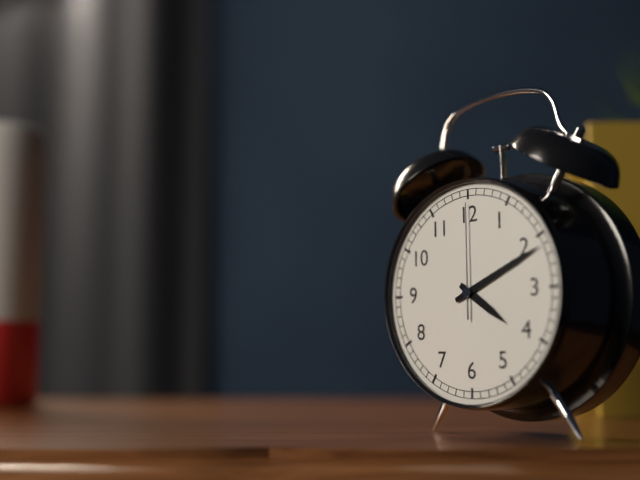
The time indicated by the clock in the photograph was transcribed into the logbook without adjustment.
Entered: 4:11:00
